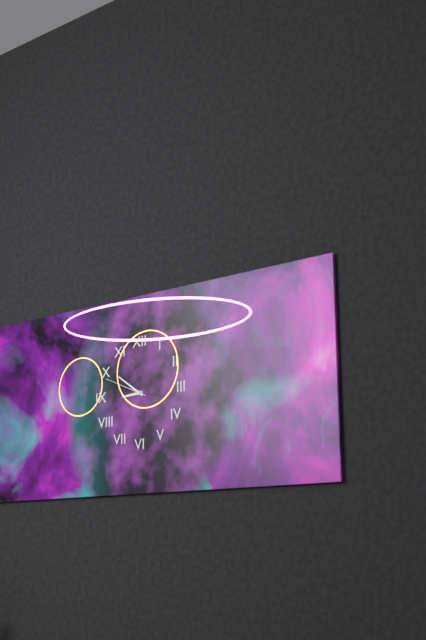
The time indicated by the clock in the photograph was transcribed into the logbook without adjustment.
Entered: 8:51
